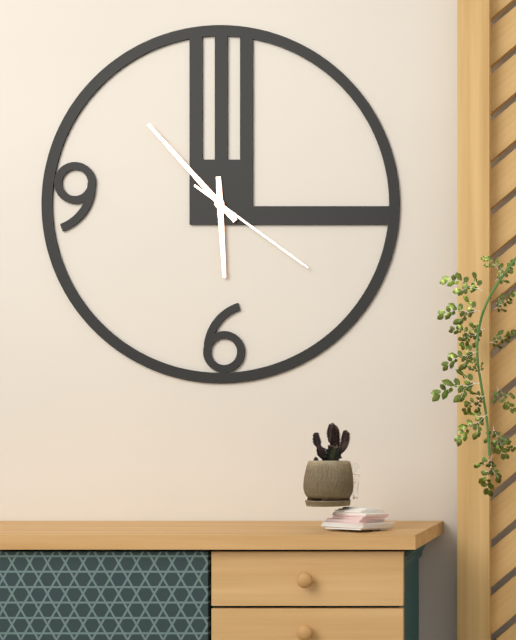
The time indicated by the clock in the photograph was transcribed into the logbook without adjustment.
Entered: 5:53:21
